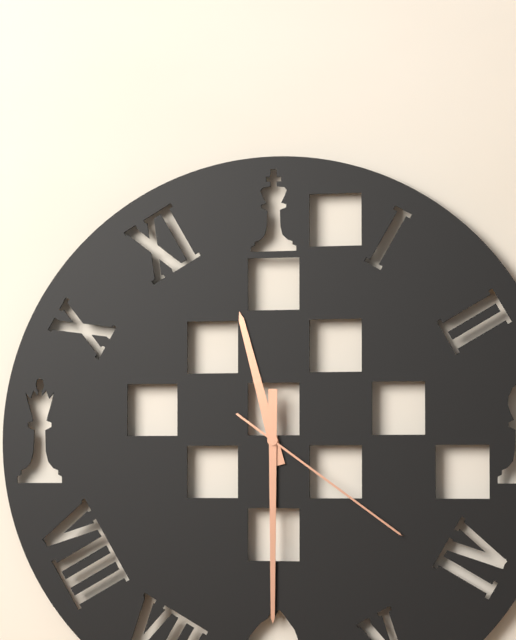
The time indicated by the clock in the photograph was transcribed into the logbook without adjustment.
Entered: 11:30:21
